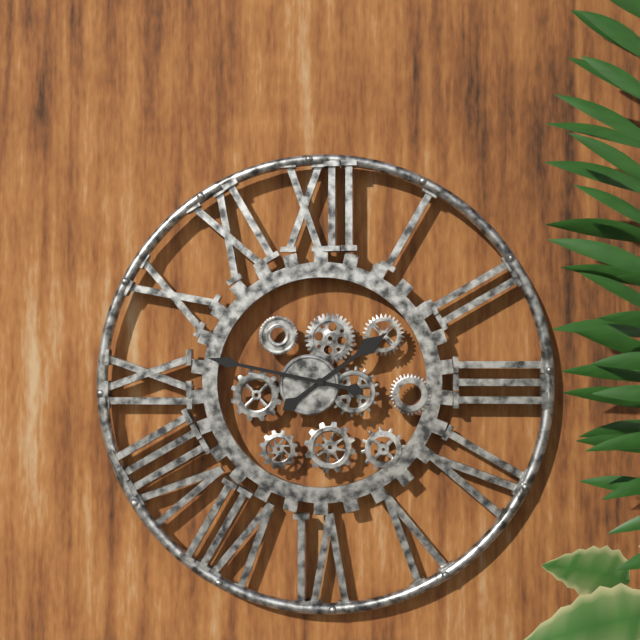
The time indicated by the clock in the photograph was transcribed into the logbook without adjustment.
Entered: 1:47
